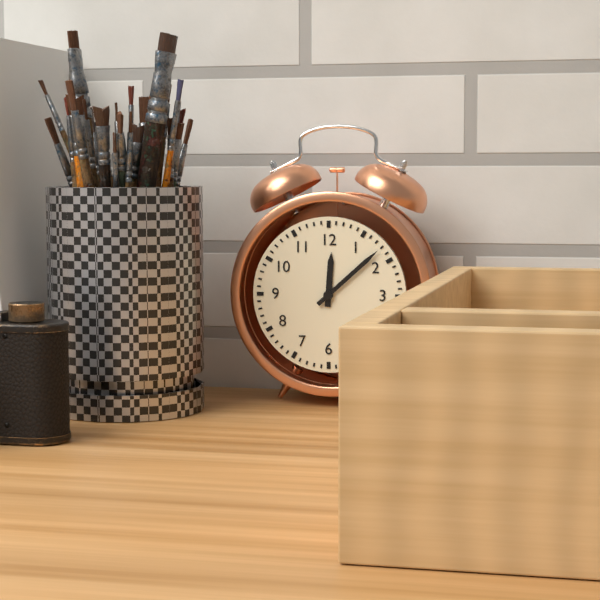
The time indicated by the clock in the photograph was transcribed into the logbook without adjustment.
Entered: 12:08
